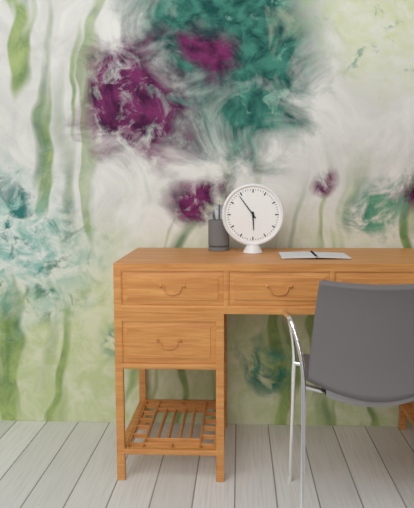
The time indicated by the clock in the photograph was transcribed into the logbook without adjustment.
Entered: 5:54
